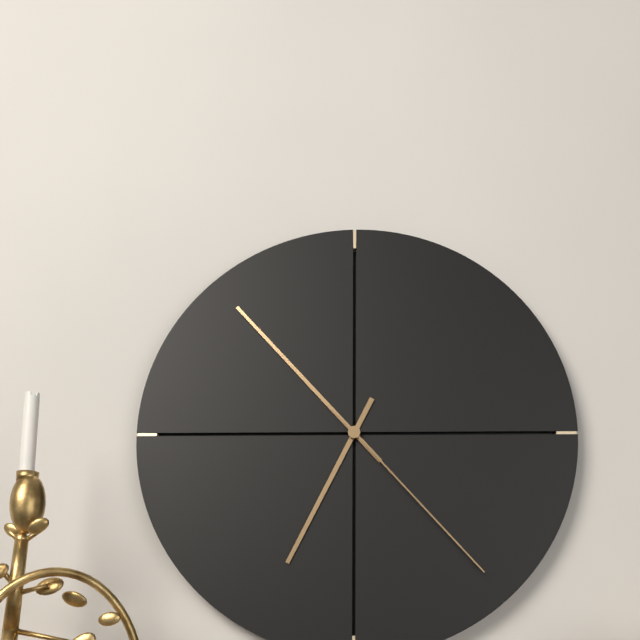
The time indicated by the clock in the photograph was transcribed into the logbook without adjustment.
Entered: 6:53:23
